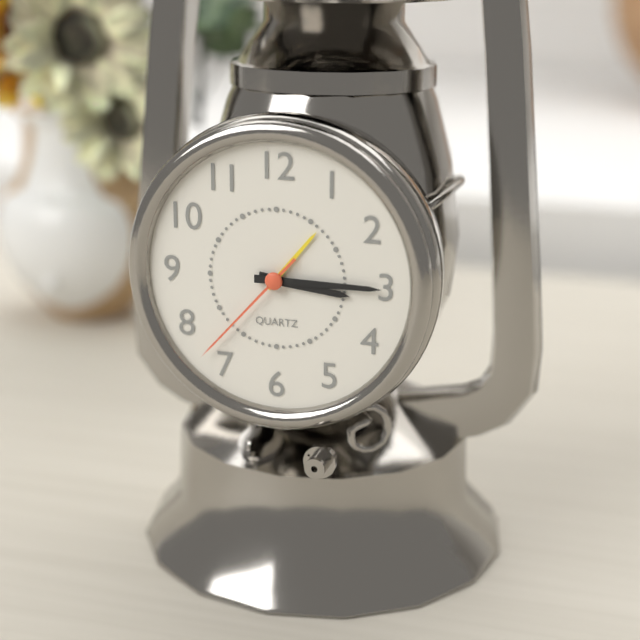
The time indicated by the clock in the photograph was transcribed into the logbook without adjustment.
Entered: 3:15:37
